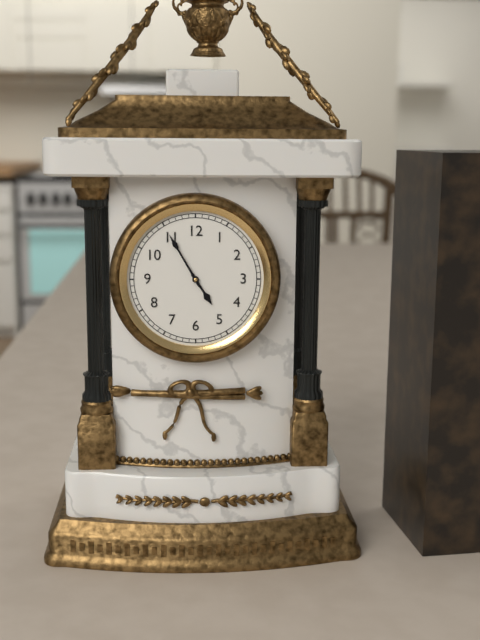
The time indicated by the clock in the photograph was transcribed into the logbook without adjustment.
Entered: 4:55
